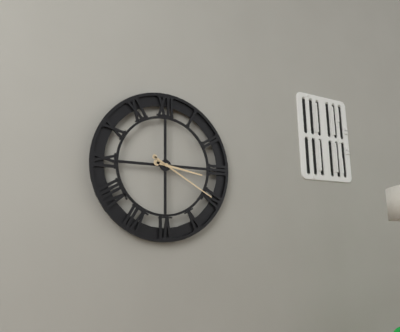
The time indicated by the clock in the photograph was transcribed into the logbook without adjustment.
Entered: 3:20
